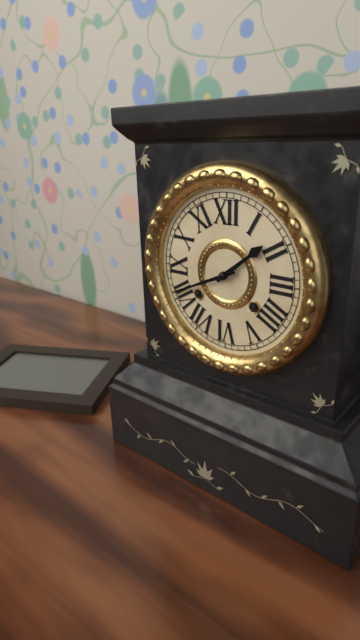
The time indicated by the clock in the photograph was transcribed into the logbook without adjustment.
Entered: 1:41
